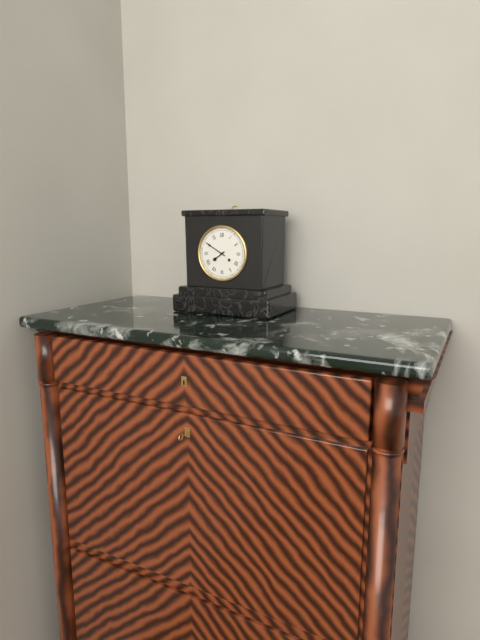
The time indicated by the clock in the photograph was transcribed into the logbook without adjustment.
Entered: 7:50
